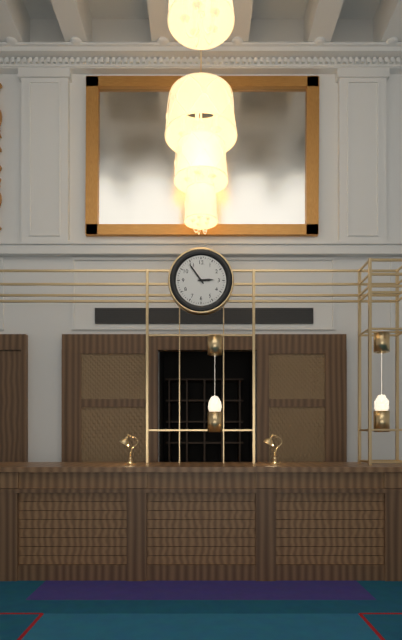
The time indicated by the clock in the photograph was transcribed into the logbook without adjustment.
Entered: 2:54
